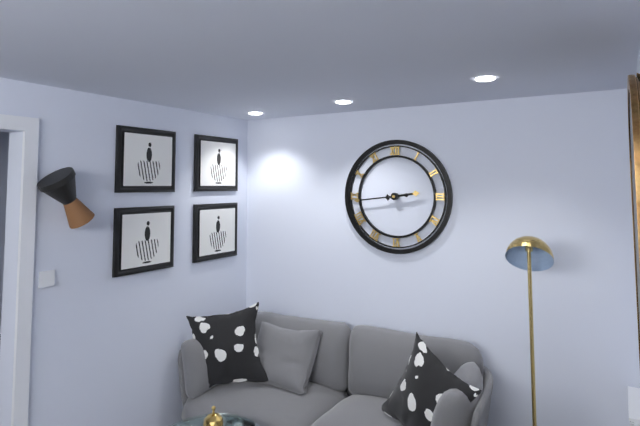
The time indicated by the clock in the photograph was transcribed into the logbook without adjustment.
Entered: 2:44
